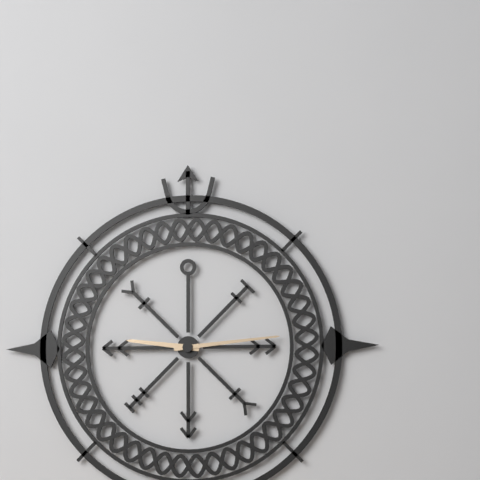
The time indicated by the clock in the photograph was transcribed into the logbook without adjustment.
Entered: 9:14
